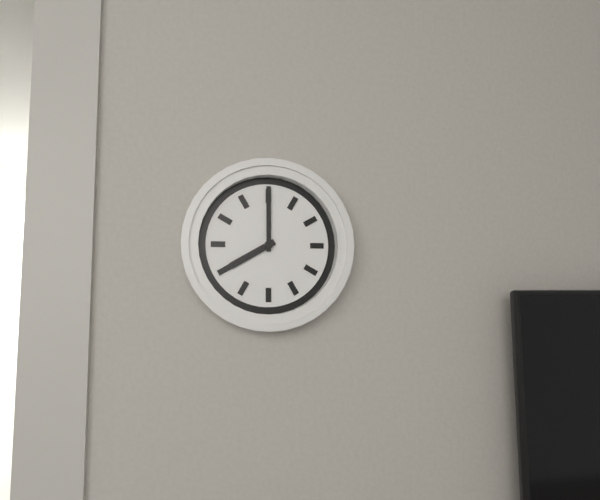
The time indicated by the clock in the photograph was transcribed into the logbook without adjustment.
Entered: 8:00
